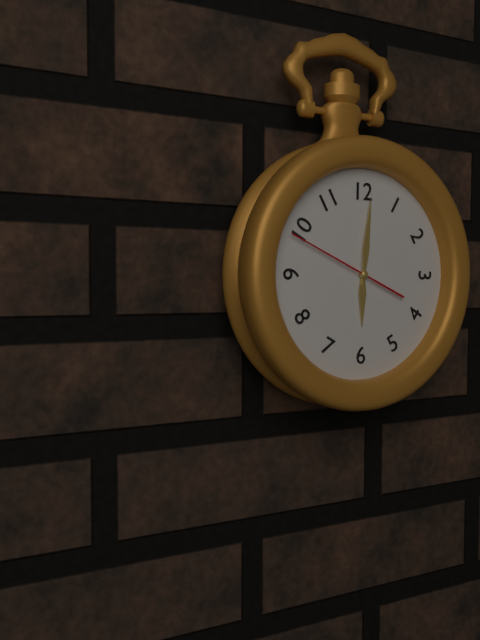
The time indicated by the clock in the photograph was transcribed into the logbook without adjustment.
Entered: 6:01:49
